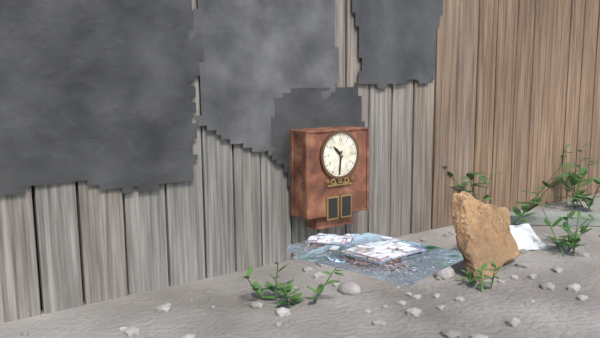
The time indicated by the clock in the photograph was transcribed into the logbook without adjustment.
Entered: 10:31
